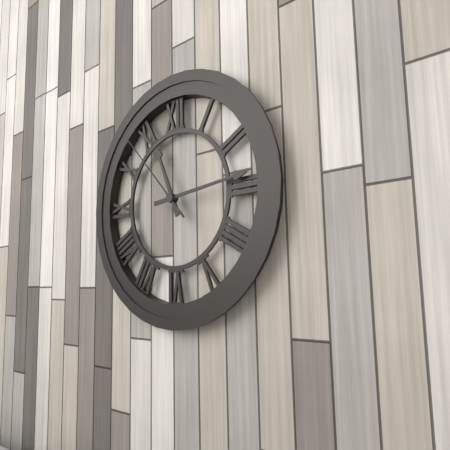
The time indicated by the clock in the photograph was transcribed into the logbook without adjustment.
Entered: 11:14:53
